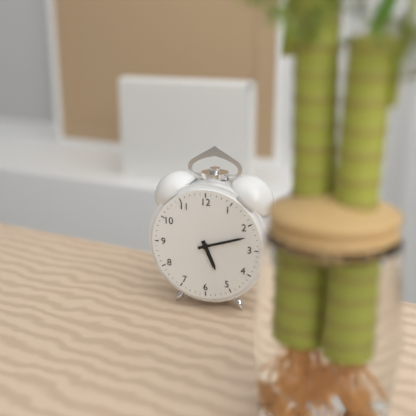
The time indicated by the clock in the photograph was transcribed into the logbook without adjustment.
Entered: 5:12
